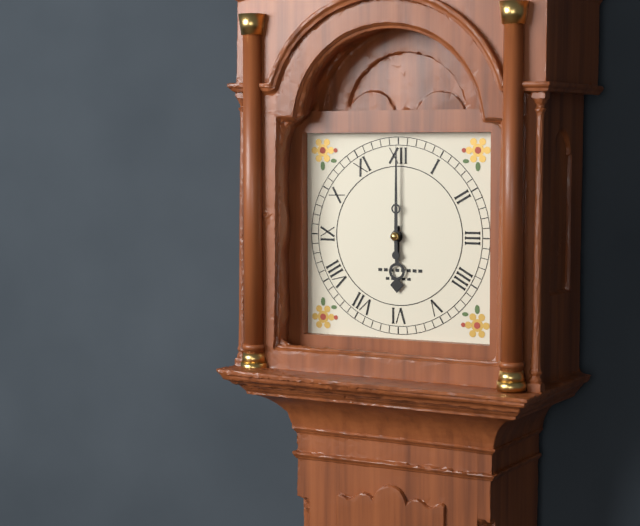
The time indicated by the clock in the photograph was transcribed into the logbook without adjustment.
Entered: 6:00
